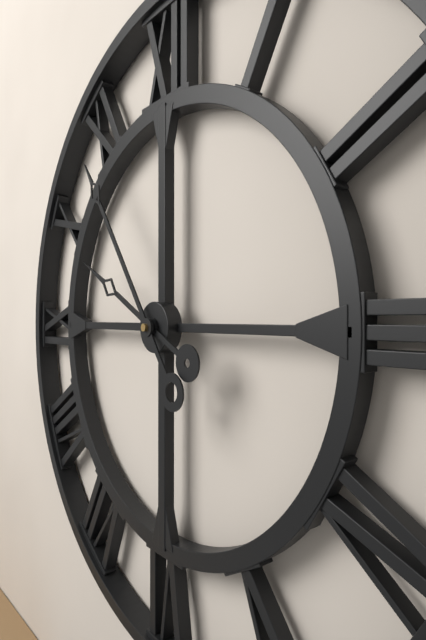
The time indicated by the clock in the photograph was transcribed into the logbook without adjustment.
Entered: 9:54
